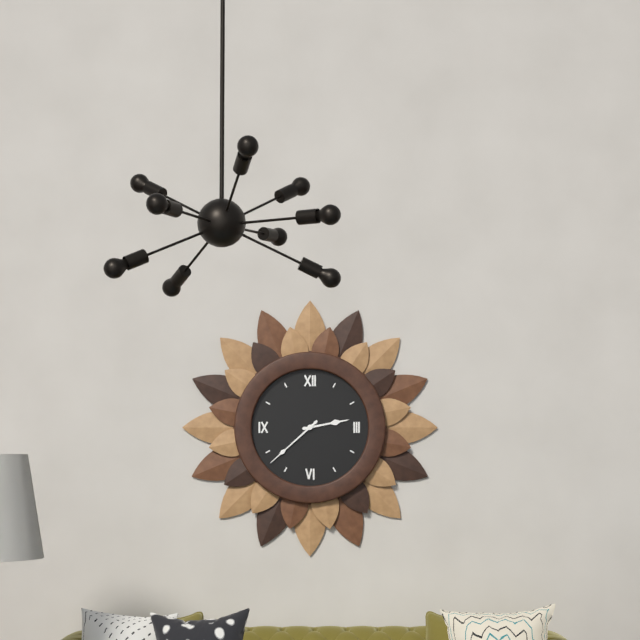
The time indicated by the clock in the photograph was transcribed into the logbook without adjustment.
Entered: 2:38
